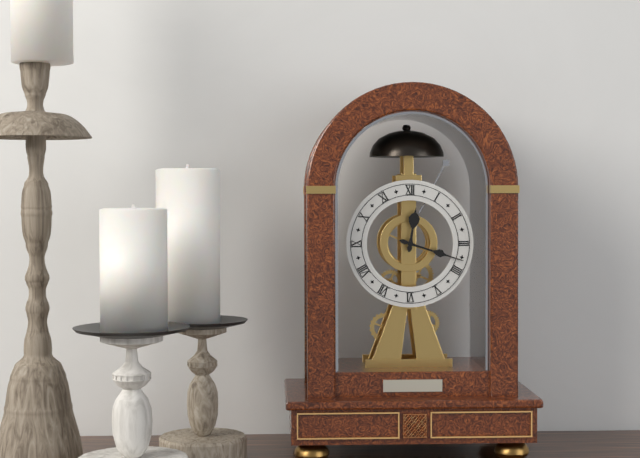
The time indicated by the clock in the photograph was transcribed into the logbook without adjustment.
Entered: 12:18
